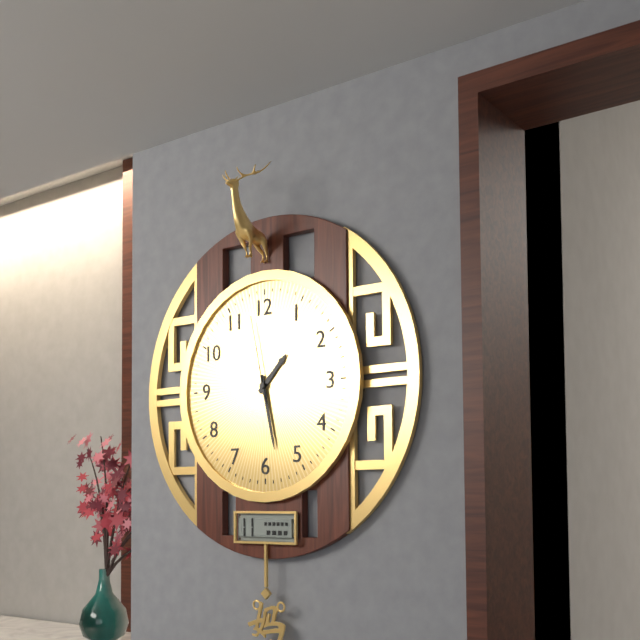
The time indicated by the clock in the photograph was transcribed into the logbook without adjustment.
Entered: 1:28:58
